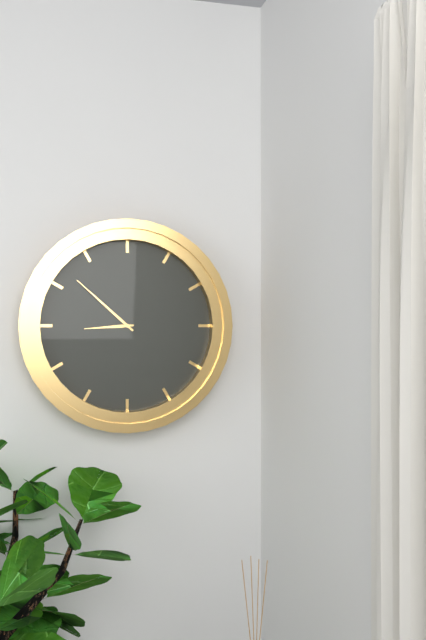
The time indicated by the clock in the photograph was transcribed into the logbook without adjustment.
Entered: 8:52
